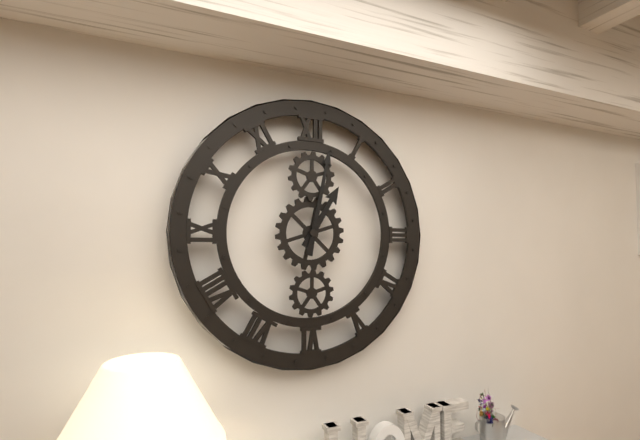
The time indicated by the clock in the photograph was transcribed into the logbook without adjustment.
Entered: 1:02
